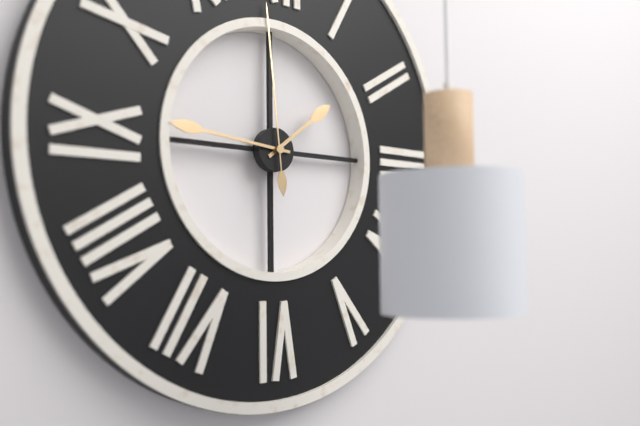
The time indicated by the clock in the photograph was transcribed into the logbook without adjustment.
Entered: 1:46:59
